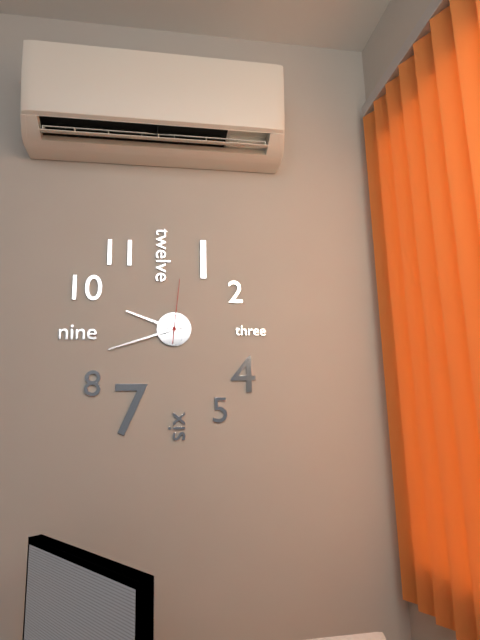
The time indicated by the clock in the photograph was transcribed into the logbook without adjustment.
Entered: 9:42:01
